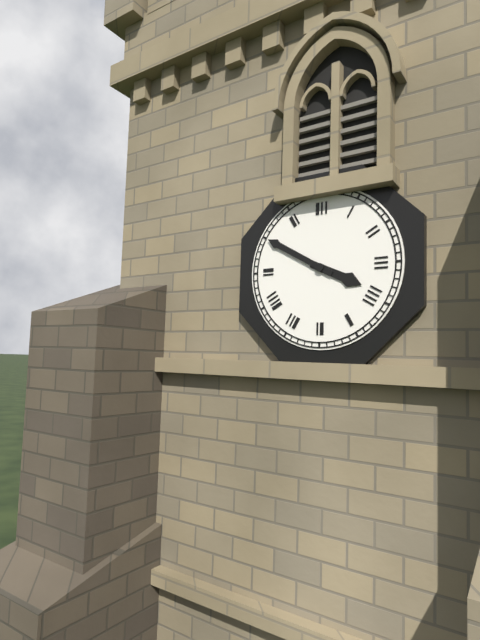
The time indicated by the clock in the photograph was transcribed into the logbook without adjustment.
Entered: 3:50
